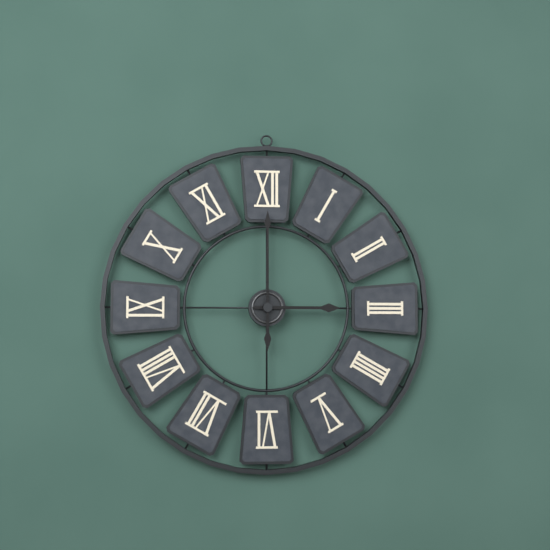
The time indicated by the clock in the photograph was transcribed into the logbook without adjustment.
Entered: 3:00
